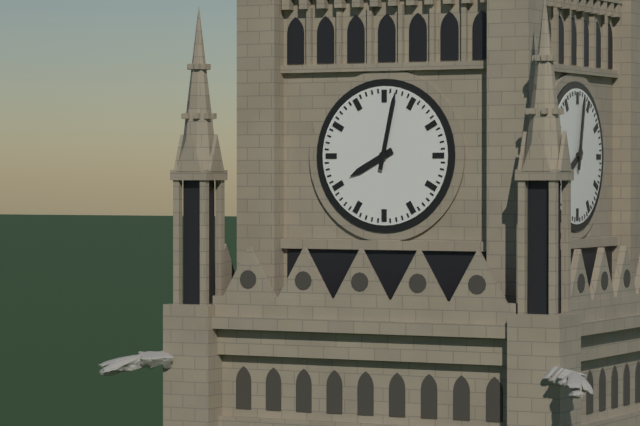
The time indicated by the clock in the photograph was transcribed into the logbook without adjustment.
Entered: 8:02
